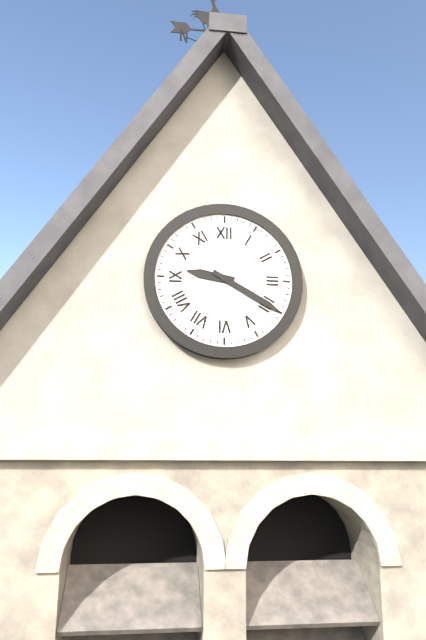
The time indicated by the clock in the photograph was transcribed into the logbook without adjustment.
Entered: 9:20
